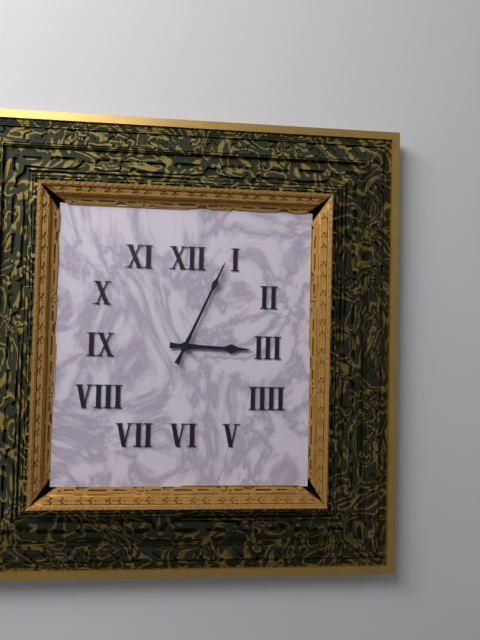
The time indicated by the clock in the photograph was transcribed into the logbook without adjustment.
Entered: 3:04
